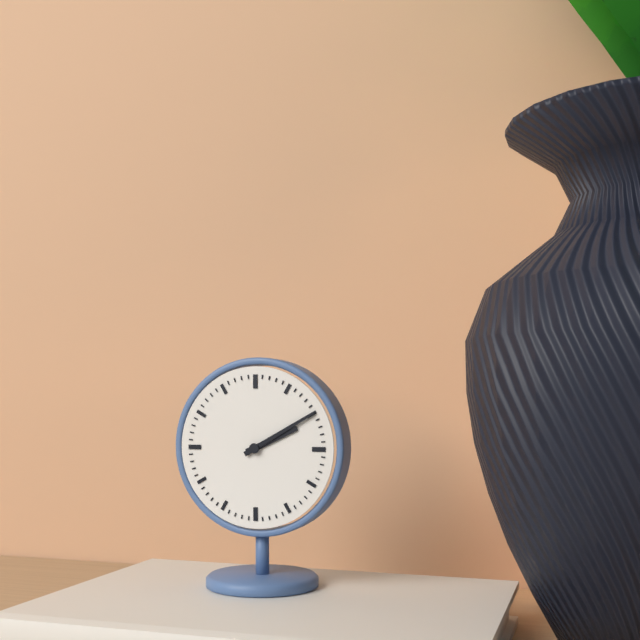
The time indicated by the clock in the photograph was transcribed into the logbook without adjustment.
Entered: 2:10
